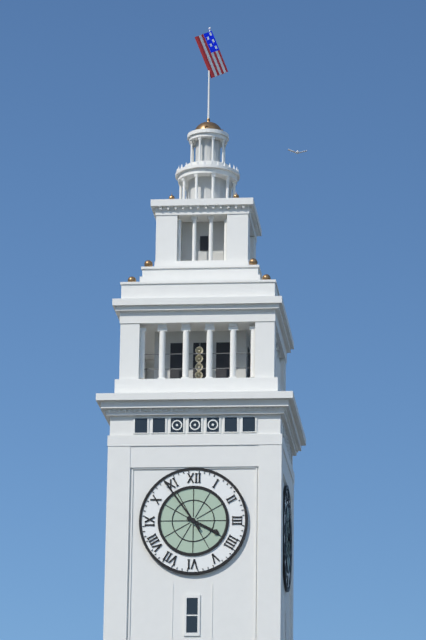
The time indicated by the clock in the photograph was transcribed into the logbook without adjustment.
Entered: 3:54
